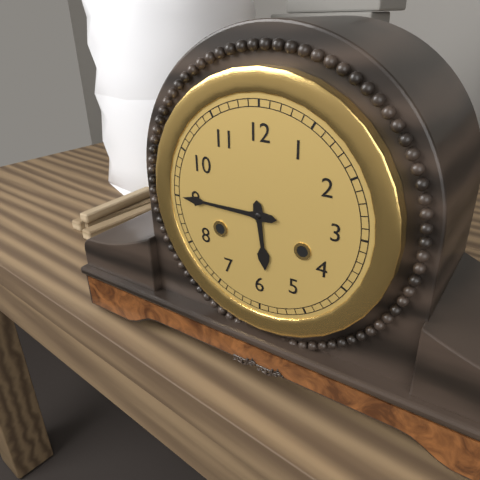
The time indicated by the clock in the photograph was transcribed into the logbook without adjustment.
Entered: 5:45
